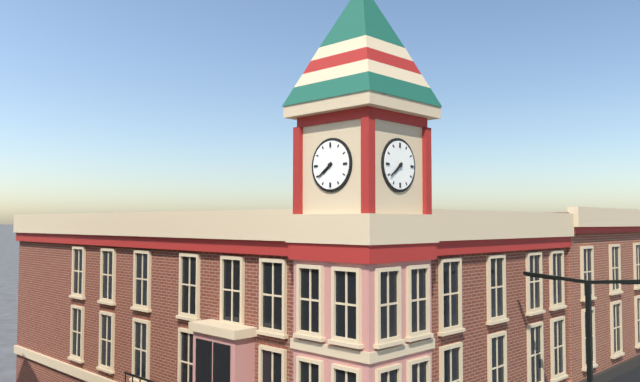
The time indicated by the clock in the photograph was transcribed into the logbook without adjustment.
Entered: 7:39
